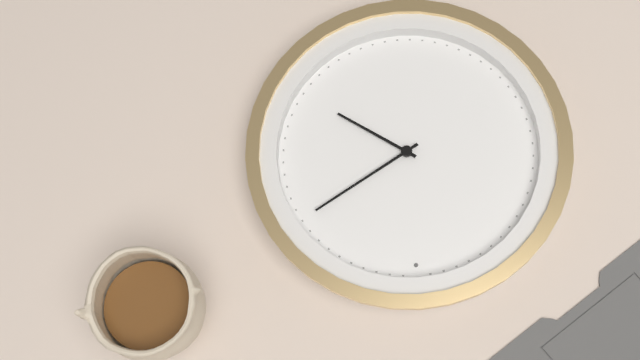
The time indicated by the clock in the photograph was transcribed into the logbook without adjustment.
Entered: 4:10
